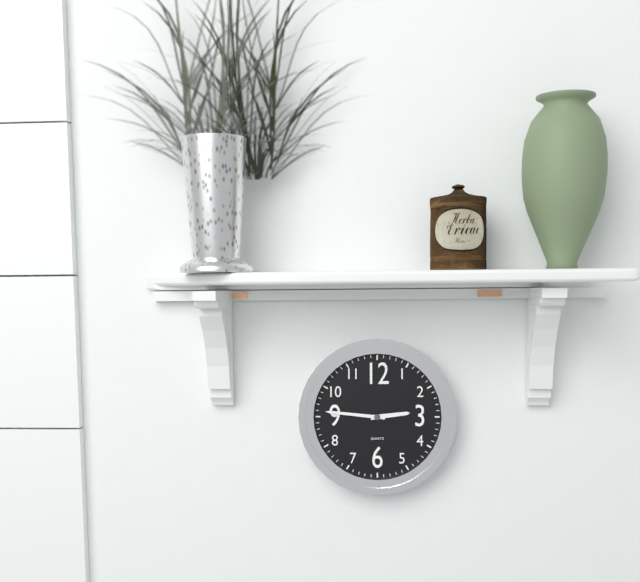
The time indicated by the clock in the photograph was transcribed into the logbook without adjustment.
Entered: 2:46
